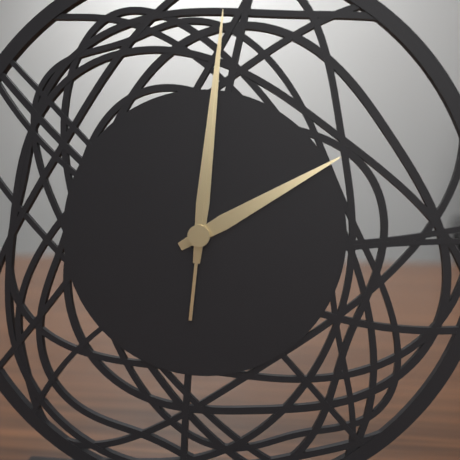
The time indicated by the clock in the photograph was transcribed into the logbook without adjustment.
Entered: 2:01:01
